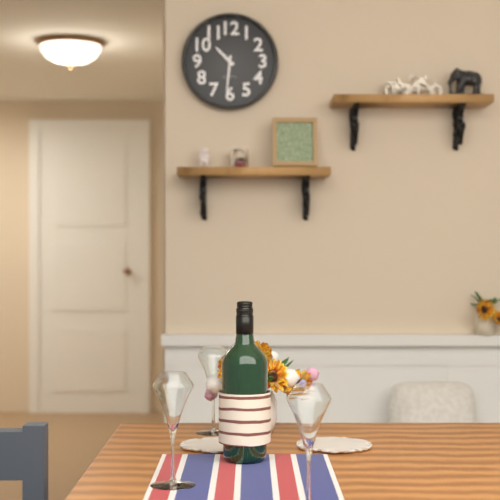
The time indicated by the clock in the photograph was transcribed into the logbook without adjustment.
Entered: 10:31
